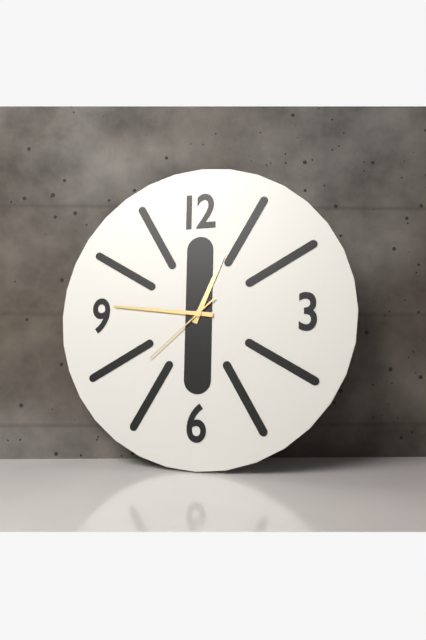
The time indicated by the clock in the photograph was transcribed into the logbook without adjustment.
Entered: 12:46:38
